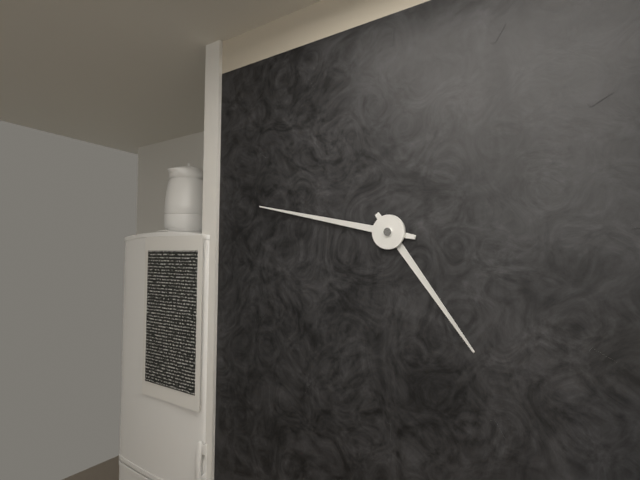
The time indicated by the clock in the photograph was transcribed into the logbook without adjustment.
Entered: 4:47
